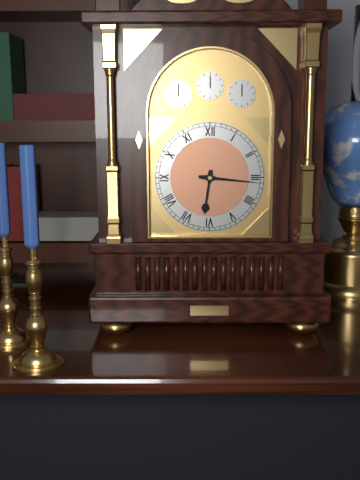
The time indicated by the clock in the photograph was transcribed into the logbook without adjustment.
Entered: 6:16
